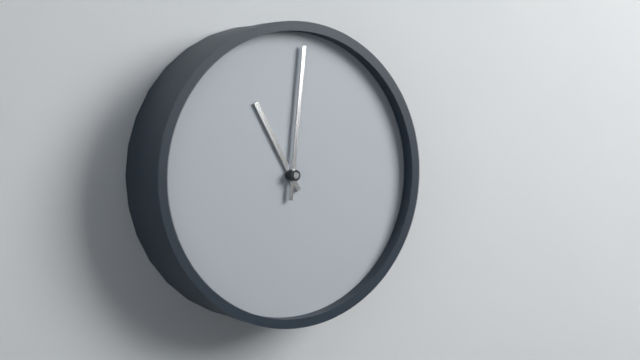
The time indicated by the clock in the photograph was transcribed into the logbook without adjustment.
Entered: 11:01
